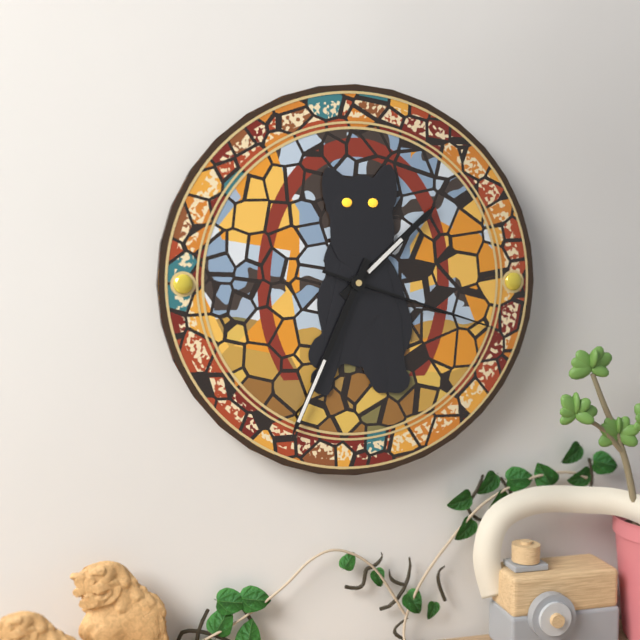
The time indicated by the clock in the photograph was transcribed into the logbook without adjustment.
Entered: 1:34:18
